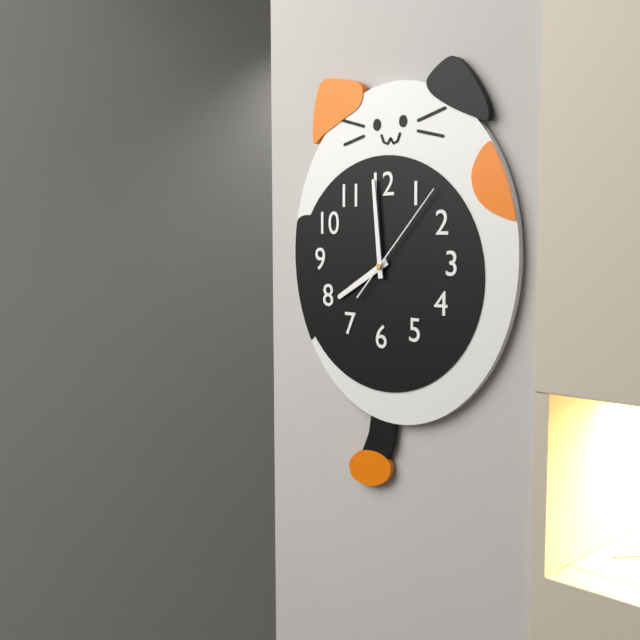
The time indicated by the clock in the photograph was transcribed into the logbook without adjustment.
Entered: 7:59:07
